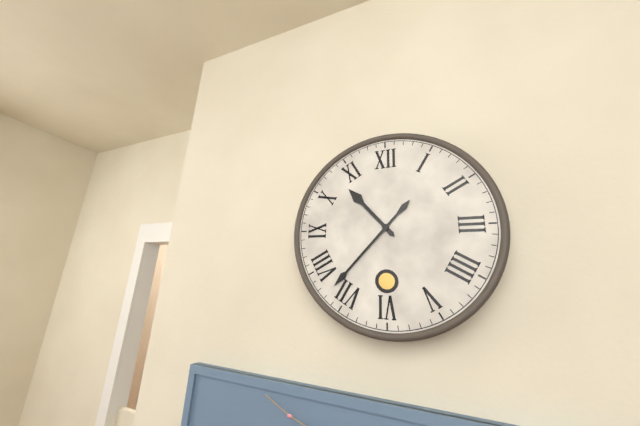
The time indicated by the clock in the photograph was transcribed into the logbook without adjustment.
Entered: 10:37
